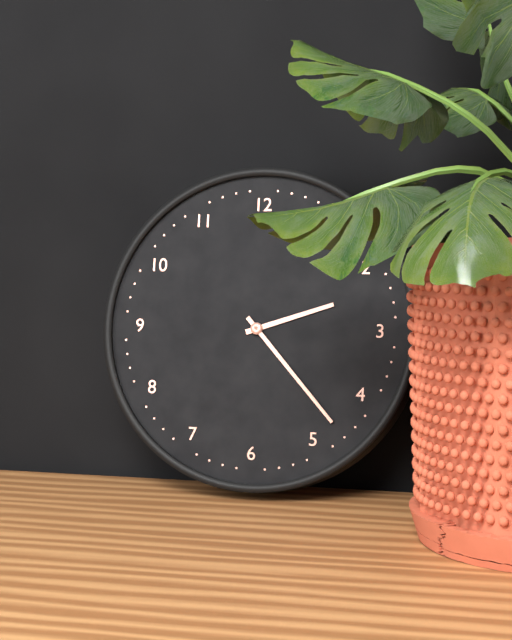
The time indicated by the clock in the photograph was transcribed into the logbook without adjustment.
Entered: 2:23
